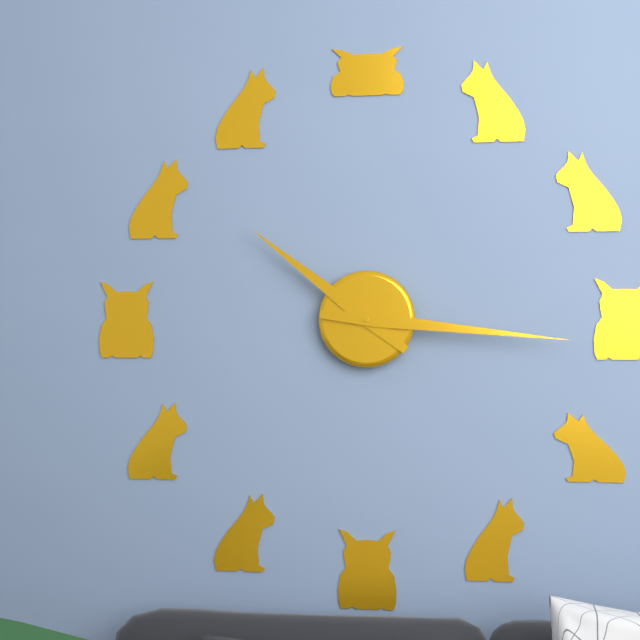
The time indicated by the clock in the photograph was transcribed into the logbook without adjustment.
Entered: 10:16
